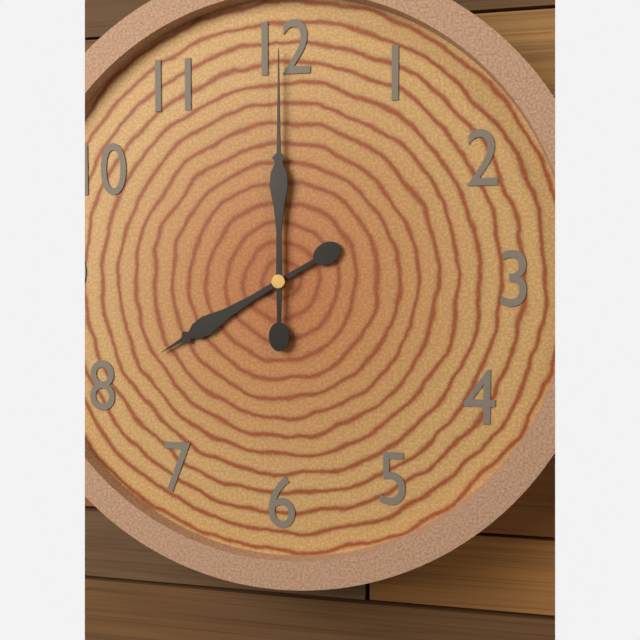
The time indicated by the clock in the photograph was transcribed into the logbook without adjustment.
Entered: 8:00
